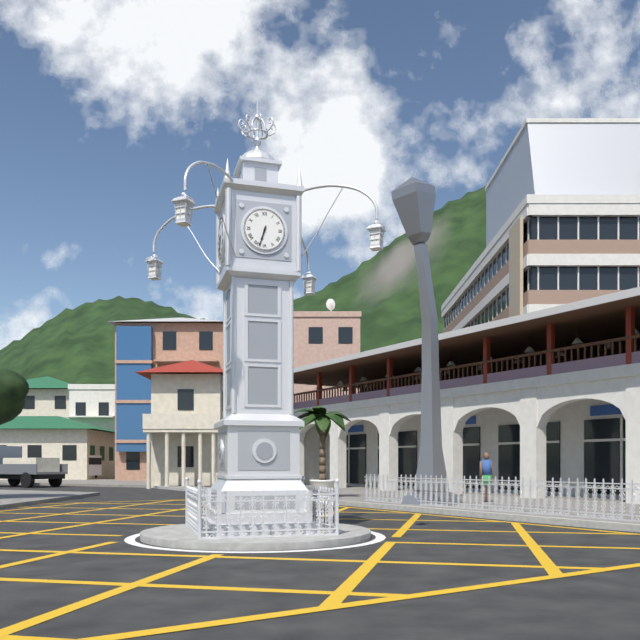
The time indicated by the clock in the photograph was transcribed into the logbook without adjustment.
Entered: 6:33
